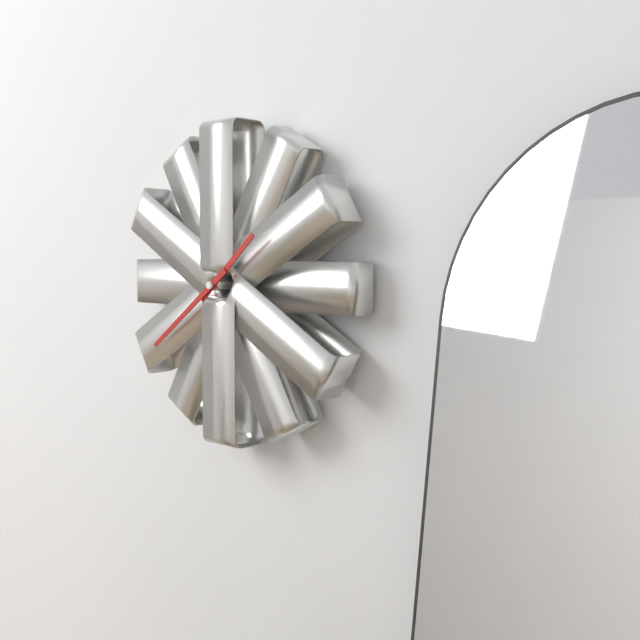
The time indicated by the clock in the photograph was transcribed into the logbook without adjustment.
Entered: 1:39
